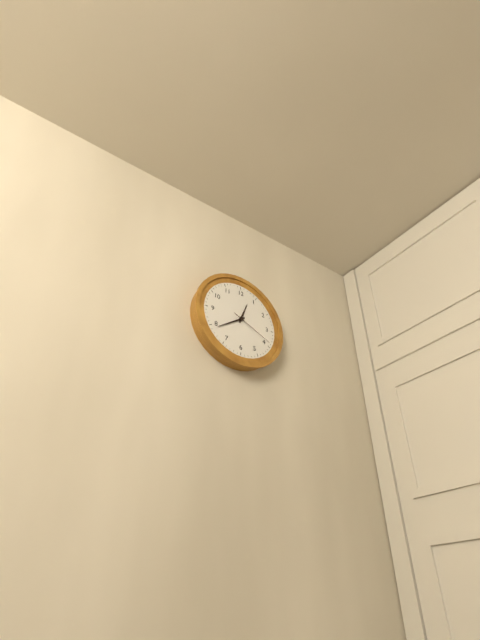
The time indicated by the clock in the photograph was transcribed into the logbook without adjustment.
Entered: 12:39
